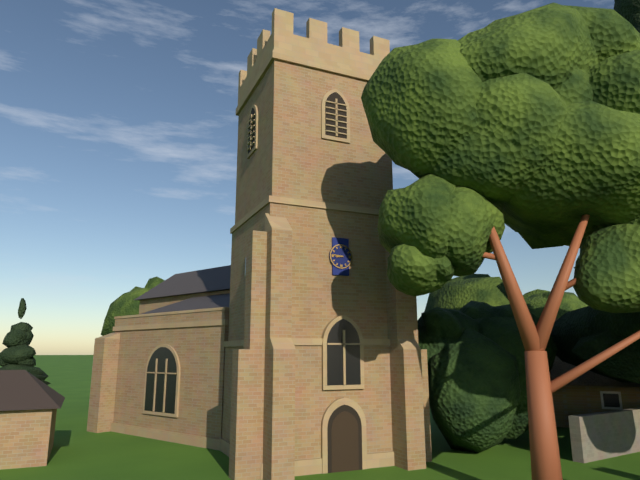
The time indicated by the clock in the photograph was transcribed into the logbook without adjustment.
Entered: 8:46
